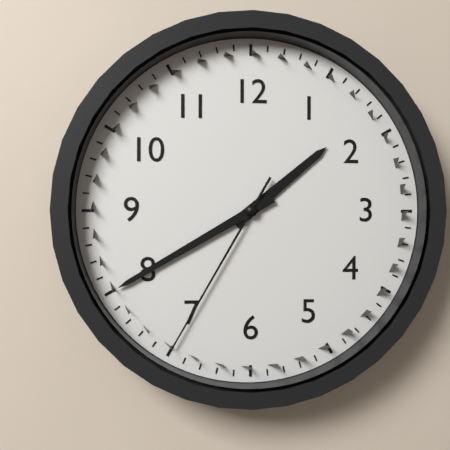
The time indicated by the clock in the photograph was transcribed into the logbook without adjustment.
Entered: 1:40:35
